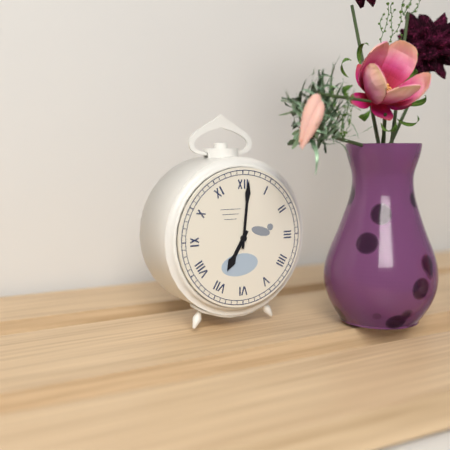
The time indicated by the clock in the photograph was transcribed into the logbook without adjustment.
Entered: 7:01
